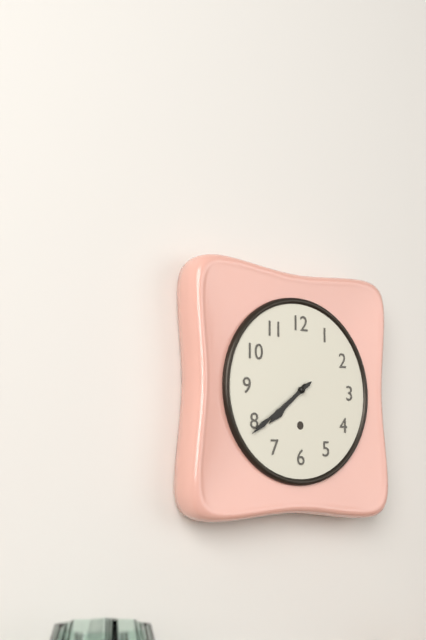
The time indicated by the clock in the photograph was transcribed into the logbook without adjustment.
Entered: 7:39
